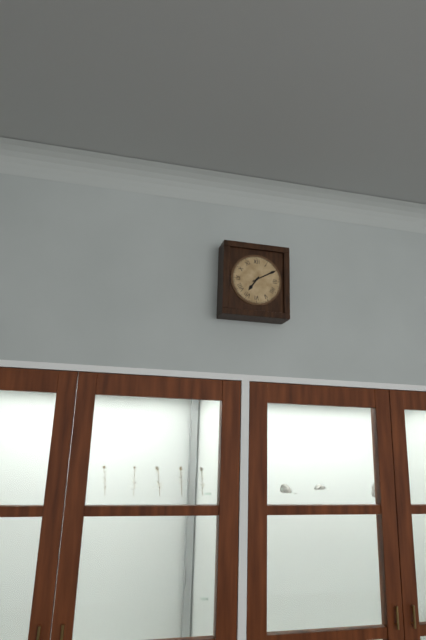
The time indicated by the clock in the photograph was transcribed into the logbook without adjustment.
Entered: 7:10
